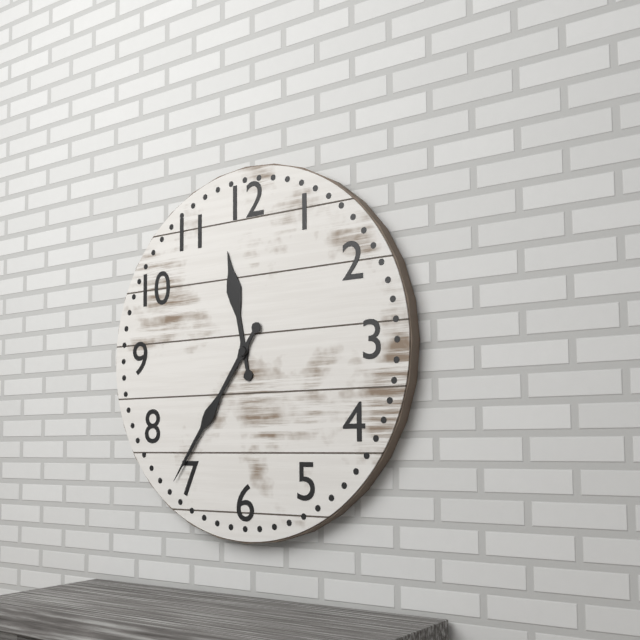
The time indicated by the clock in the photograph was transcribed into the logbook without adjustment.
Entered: 11:36
